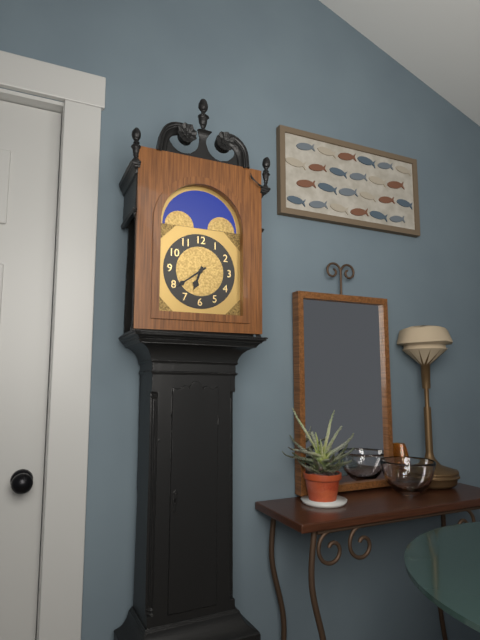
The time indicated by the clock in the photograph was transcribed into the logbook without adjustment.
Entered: 6:39
